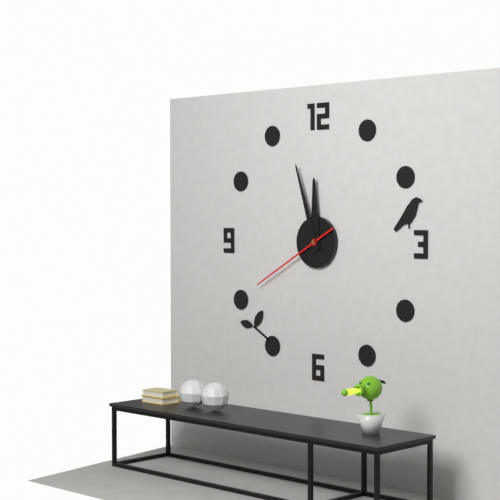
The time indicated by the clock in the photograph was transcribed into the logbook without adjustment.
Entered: 11:57:40
